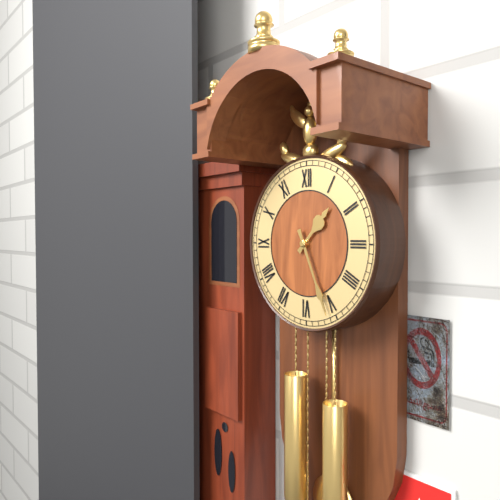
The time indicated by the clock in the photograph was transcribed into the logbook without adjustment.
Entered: 1:26
